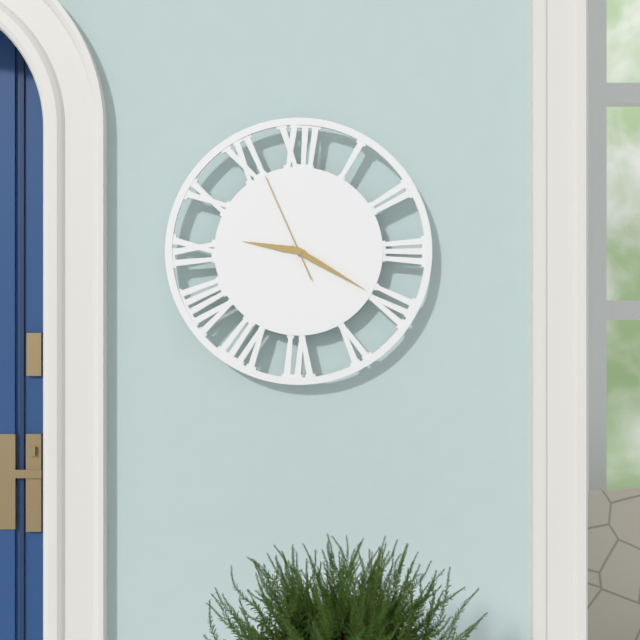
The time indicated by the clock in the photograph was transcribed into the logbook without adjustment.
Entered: 9:20:56
